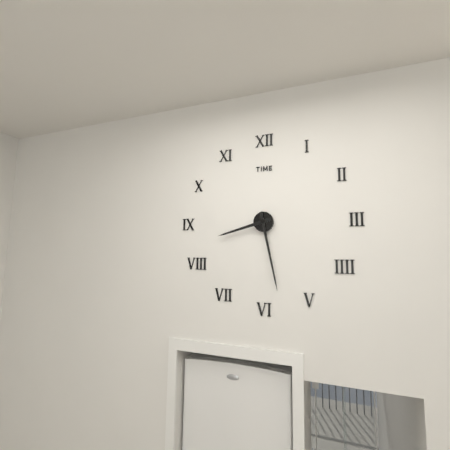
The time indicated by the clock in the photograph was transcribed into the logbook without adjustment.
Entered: 8:28
